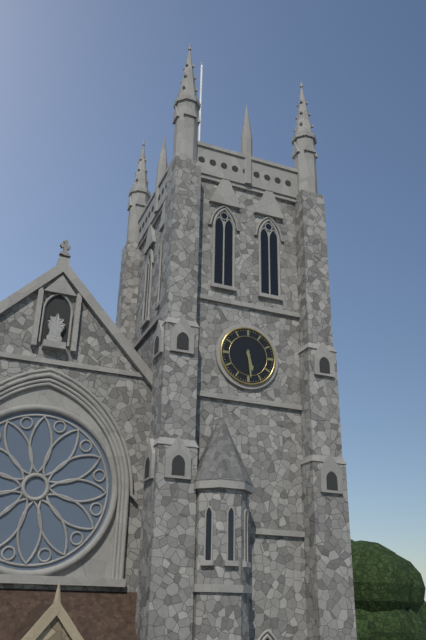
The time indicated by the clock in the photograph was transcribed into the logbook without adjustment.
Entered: 5:29
